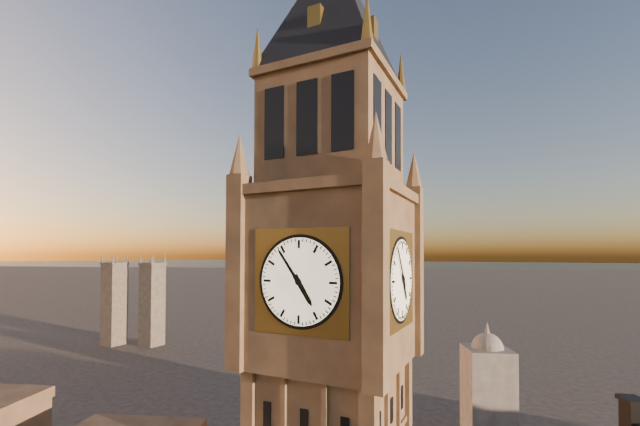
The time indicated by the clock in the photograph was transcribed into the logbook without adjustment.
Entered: 4:54
